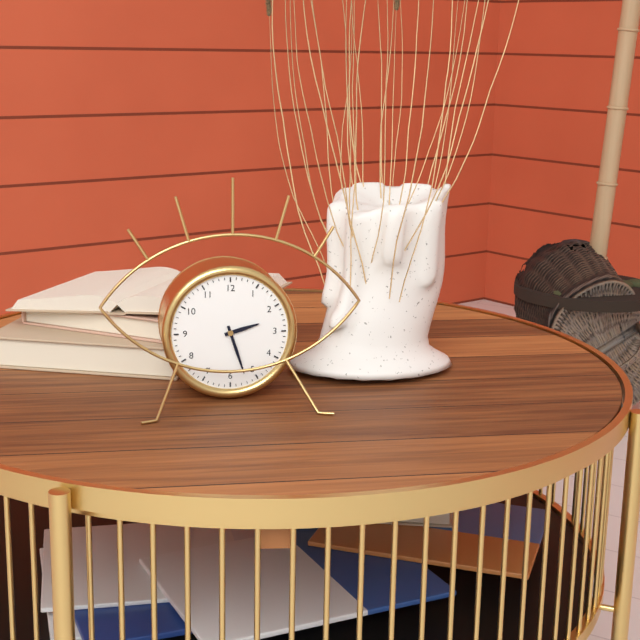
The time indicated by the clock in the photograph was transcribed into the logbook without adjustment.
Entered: 2:27
